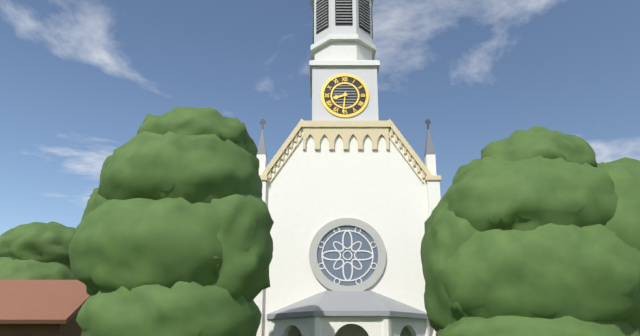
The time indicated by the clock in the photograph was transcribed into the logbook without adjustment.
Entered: 8:31
